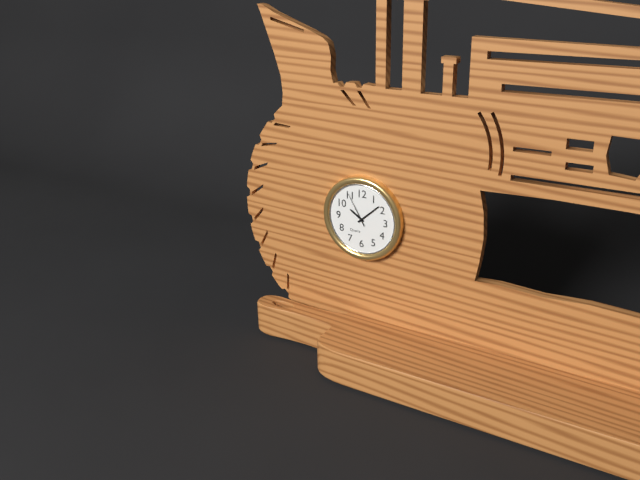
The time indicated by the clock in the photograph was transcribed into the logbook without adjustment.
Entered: 10:08
